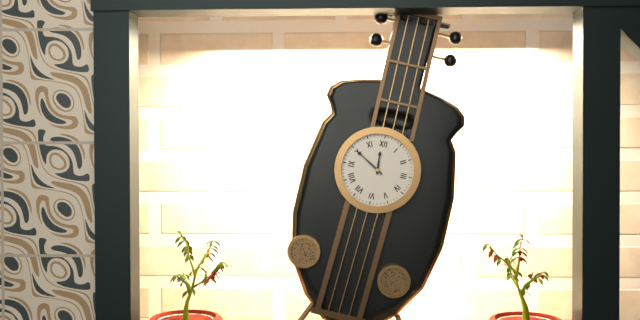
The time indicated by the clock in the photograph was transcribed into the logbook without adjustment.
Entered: 11:50
